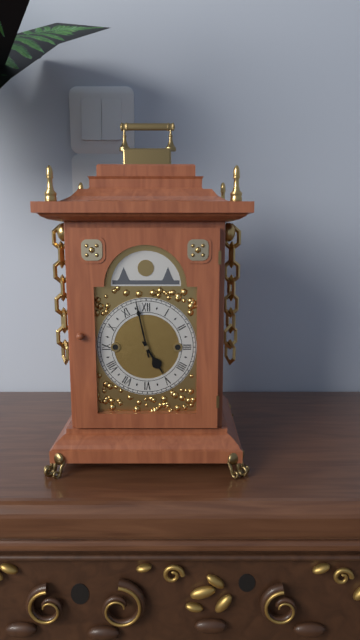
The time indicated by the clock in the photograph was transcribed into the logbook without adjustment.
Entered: 4:58
